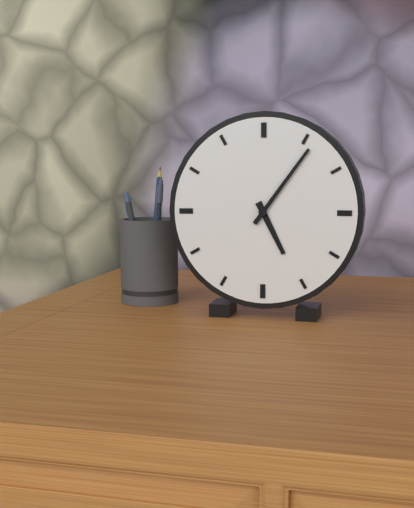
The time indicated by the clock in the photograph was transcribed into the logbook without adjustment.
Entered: 5:06
